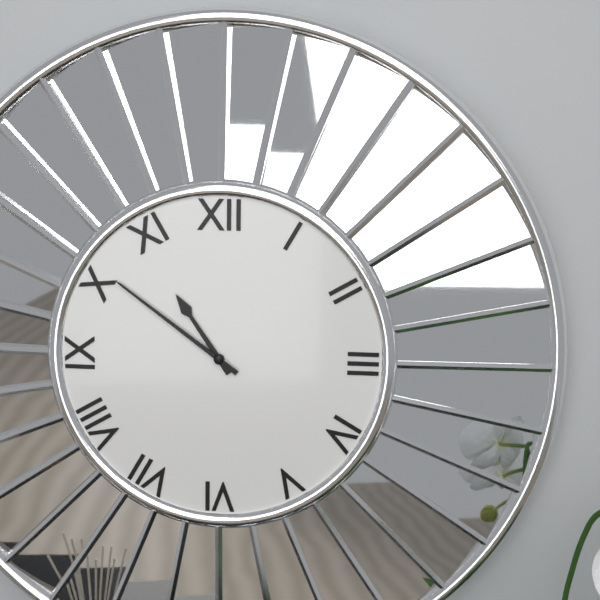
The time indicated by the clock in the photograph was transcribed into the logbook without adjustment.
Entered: 10:51
